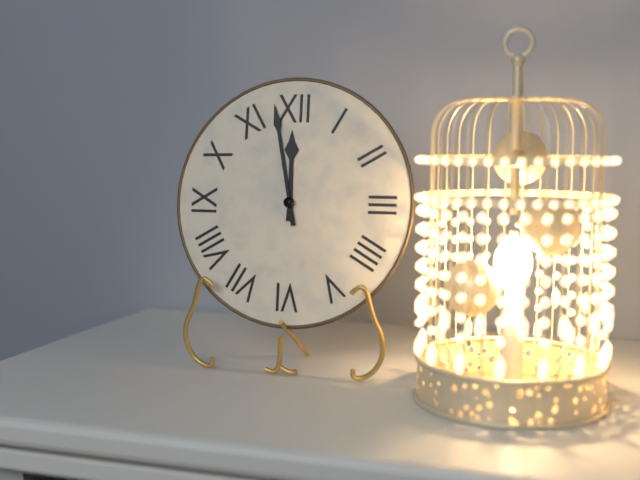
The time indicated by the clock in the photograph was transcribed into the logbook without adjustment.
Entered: 11:58
